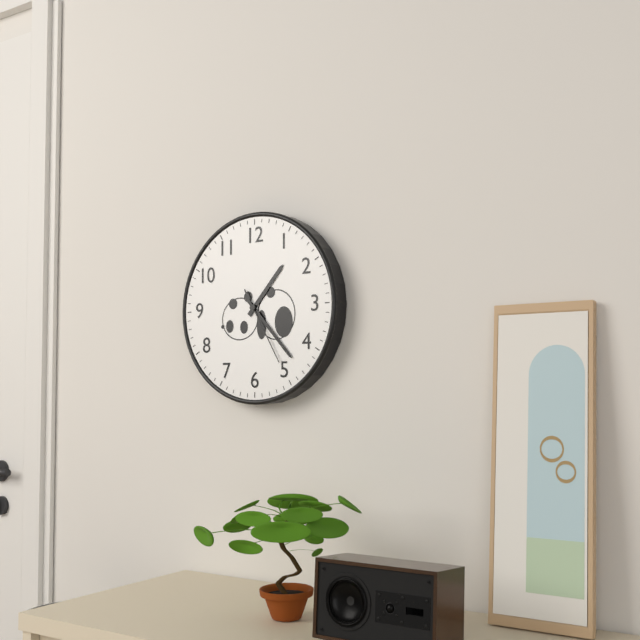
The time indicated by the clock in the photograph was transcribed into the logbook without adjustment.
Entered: 1:23:25
